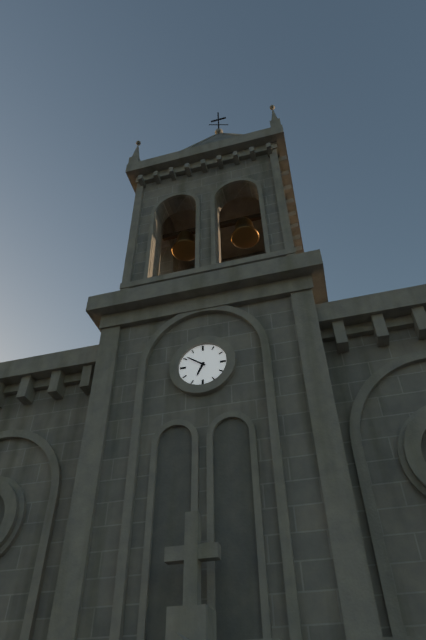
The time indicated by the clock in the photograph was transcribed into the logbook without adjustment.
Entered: 6:51
